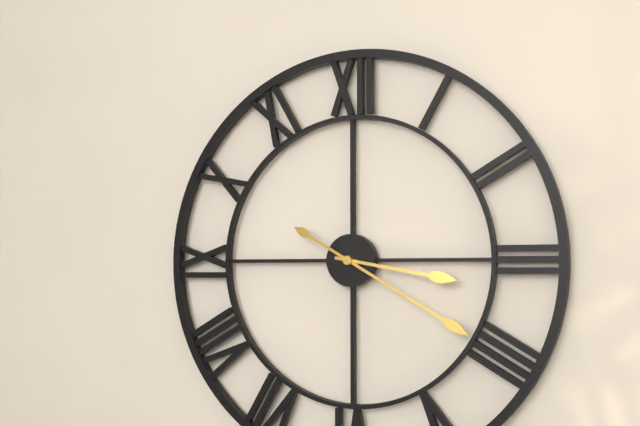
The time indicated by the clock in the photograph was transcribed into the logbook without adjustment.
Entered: 3:20
